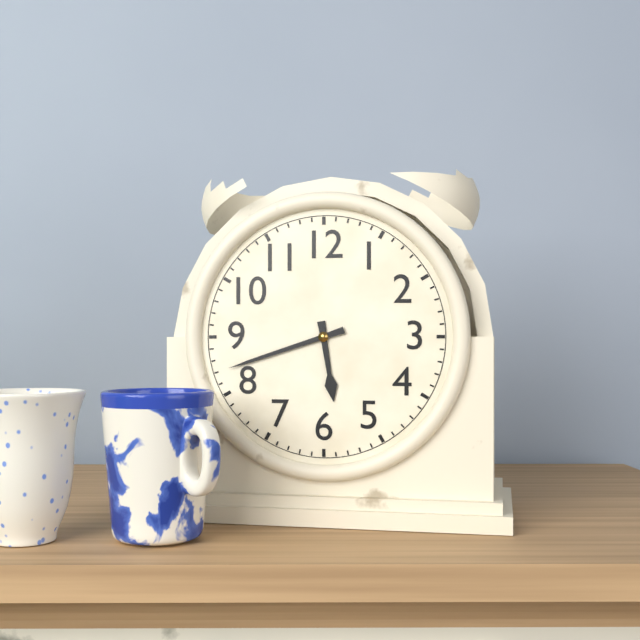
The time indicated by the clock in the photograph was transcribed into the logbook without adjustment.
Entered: 5:42
